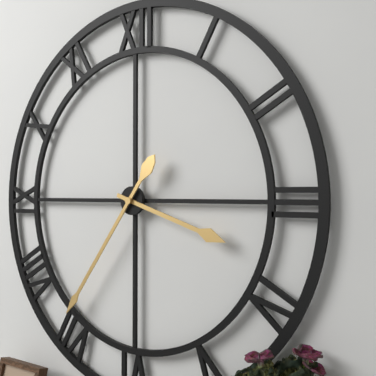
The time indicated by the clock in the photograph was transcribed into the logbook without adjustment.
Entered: 3:36
